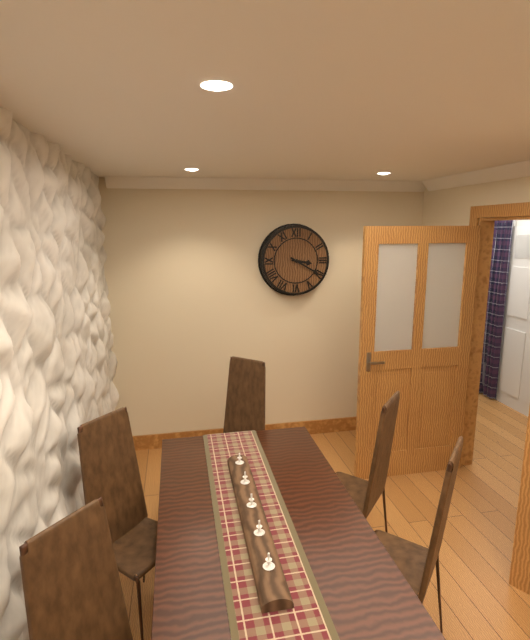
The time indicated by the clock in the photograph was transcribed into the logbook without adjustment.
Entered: 3:20
